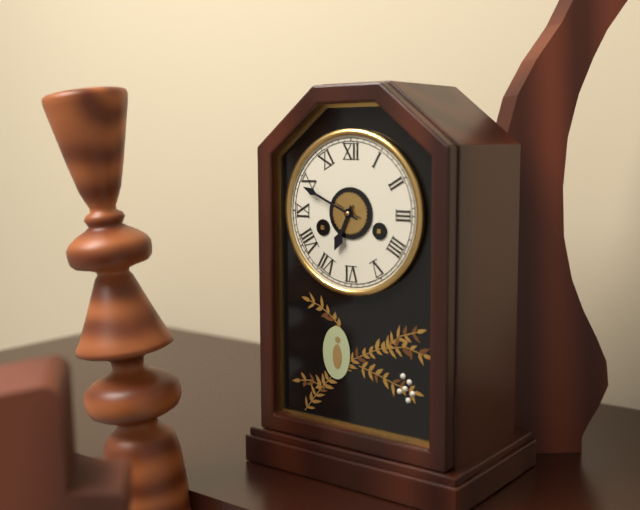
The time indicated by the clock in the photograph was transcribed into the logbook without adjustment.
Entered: 6:49
